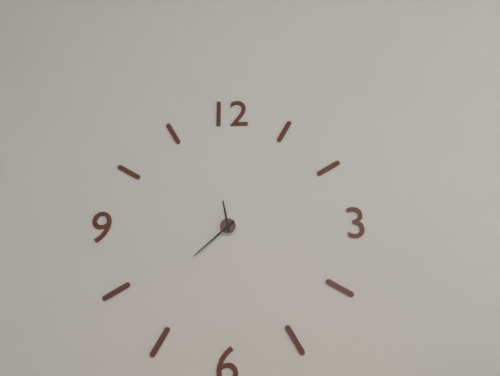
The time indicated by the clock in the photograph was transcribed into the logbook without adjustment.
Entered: 11:38
